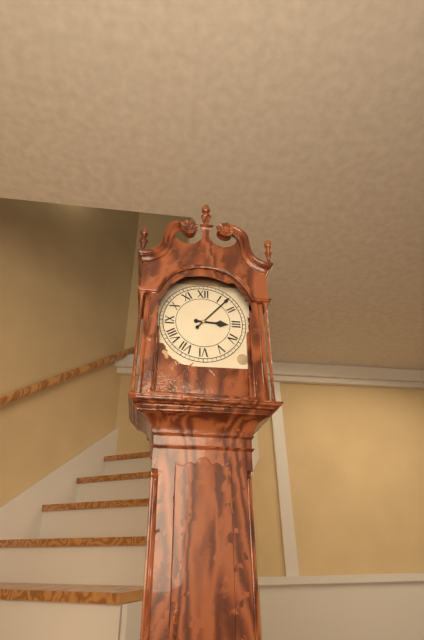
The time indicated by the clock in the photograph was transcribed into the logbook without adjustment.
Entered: 3:07
